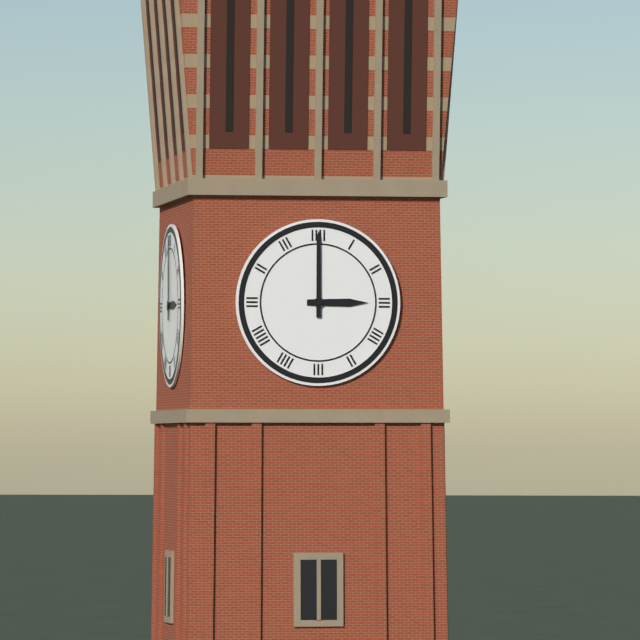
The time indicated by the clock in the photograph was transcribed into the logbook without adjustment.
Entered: 3:00
